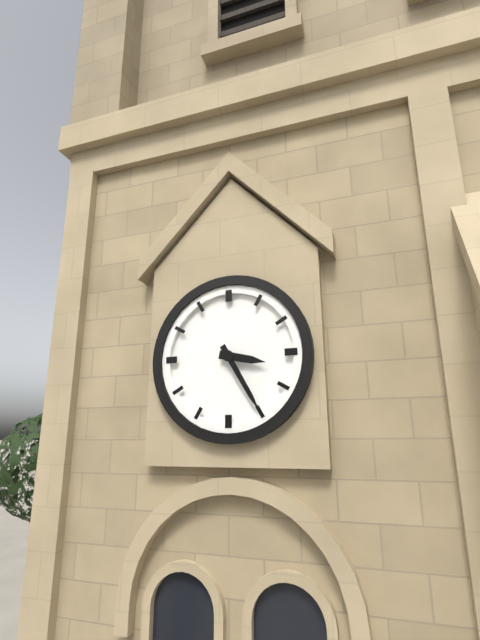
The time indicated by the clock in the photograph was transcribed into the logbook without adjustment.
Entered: 3:25
